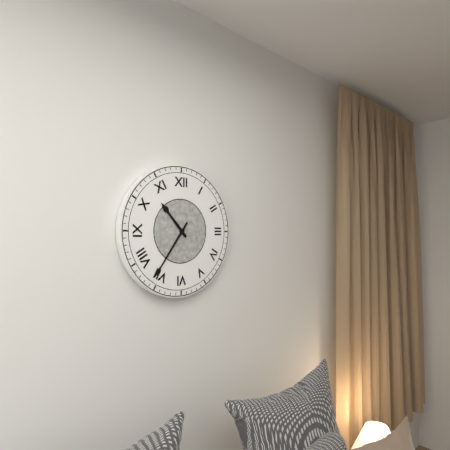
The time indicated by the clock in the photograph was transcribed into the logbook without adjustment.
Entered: 10:36
